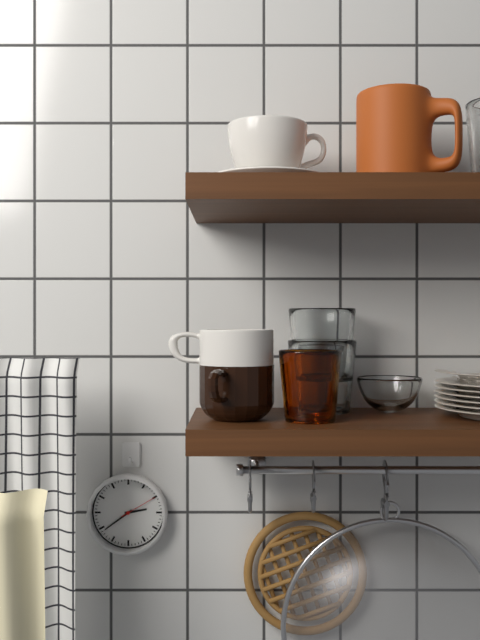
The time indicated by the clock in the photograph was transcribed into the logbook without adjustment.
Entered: 2:39
